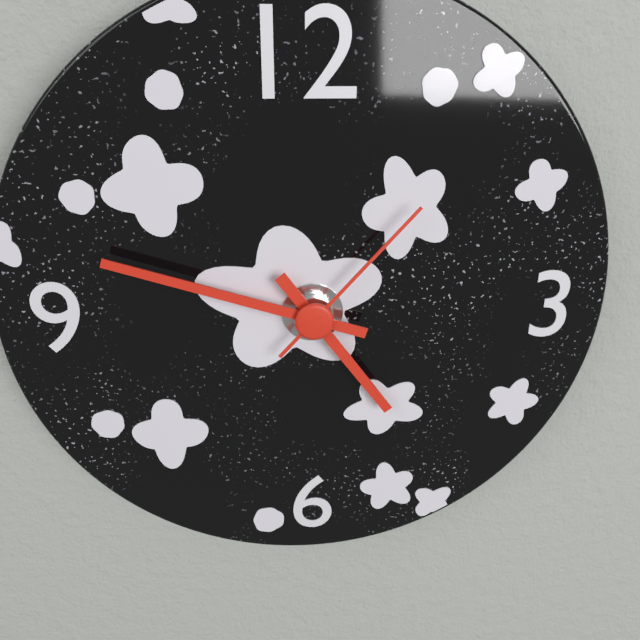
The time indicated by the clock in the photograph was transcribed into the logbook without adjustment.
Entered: 4:48:07
